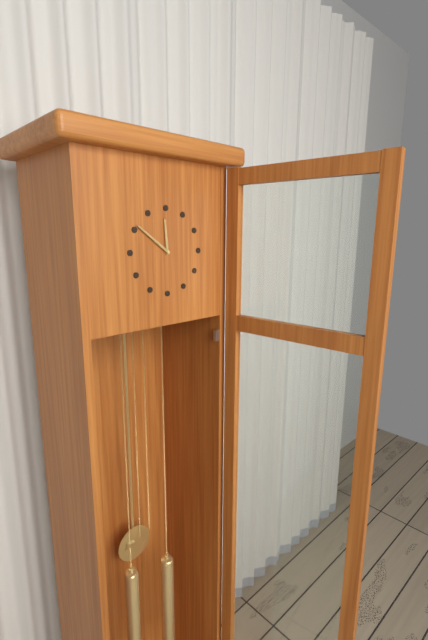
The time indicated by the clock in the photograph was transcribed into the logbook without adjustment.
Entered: 11:51
